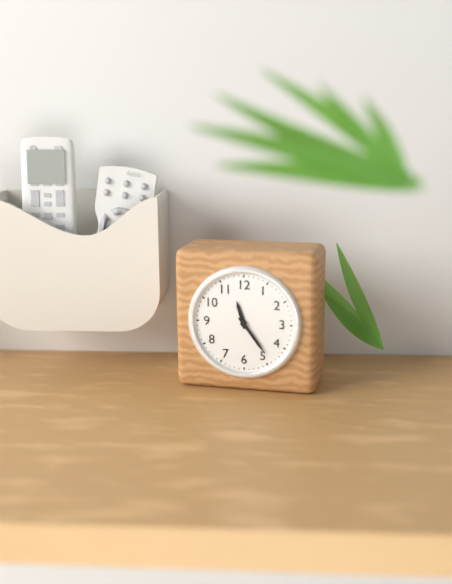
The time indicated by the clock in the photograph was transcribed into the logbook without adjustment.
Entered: 11:24
